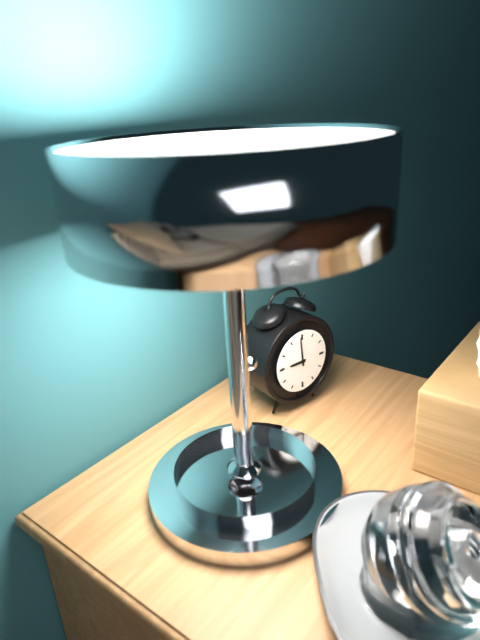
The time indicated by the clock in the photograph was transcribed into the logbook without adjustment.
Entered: 8:59
